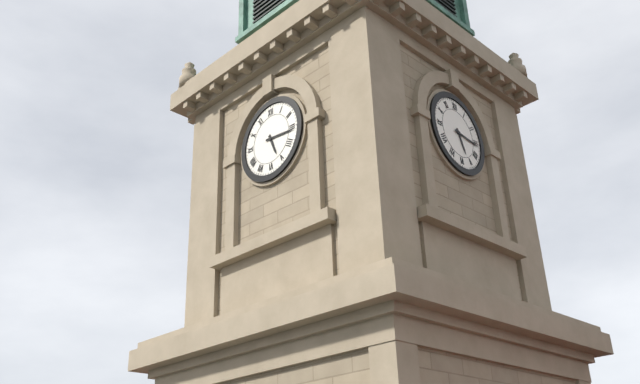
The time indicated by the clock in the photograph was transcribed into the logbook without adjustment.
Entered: 5:16
